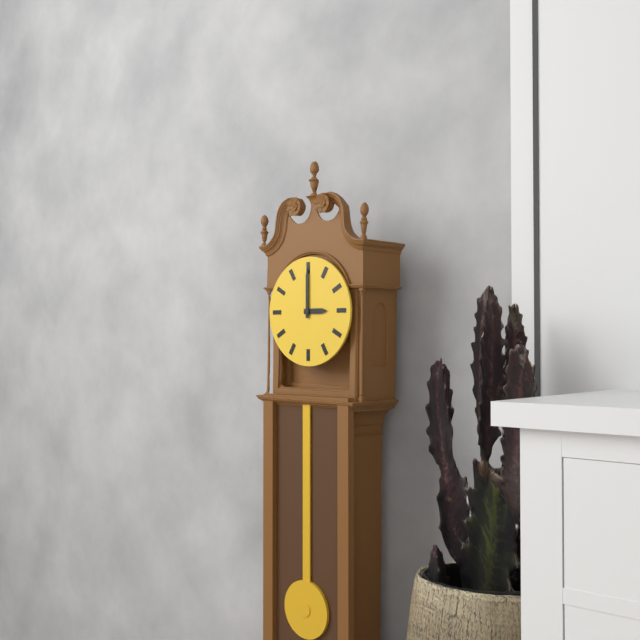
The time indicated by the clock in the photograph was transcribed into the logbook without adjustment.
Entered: 3:00
